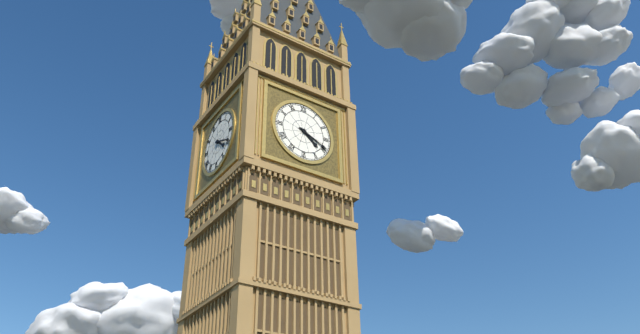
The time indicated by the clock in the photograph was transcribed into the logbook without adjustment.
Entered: 4:19
